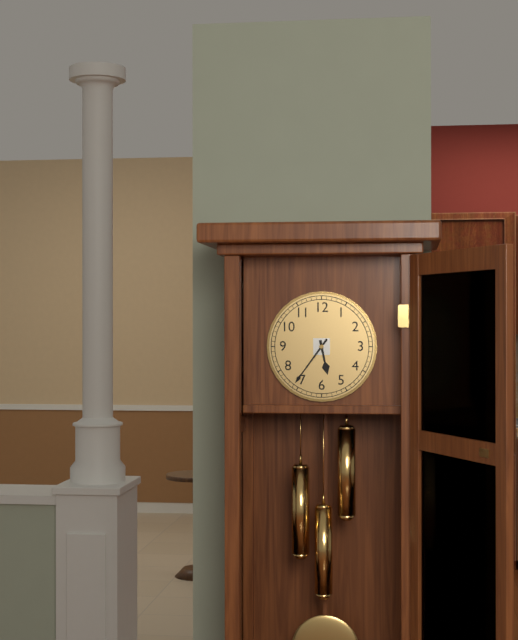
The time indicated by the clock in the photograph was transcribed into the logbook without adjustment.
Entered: 5:36
